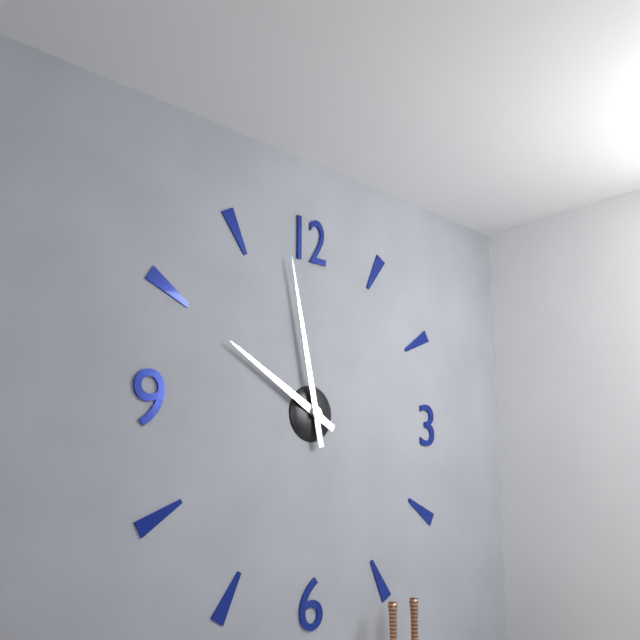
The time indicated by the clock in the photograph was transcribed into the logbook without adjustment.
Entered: 9:58
